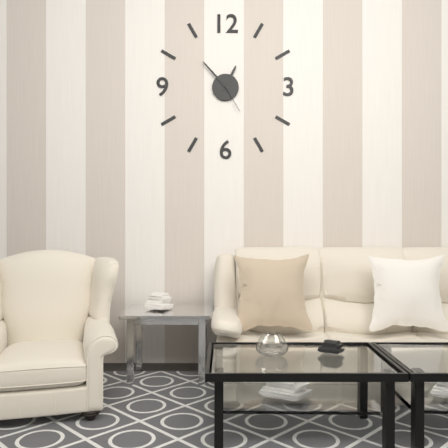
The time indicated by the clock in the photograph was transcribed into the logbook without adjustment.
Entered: 12:53
